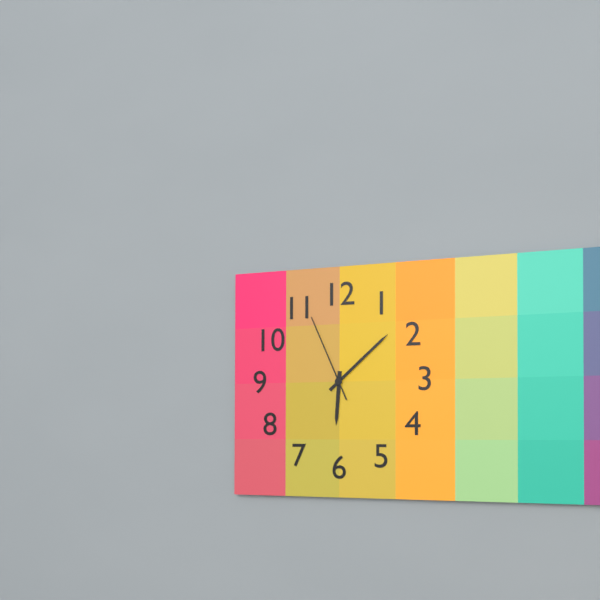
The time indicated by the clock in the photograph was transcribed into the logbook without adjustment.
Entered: 6:08:56
